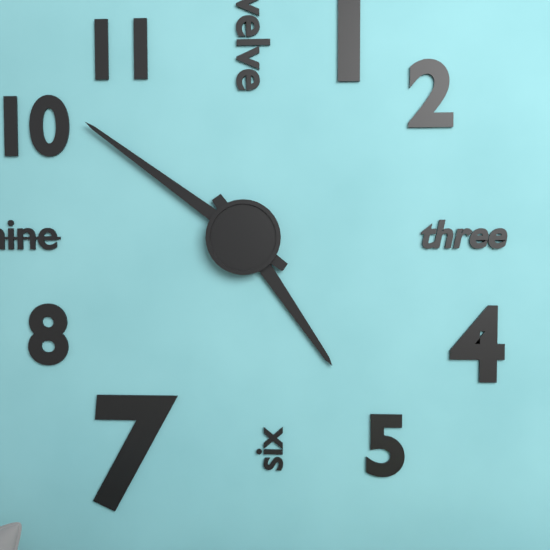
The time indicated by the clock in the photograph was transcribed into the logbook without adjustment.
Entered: 4:51
